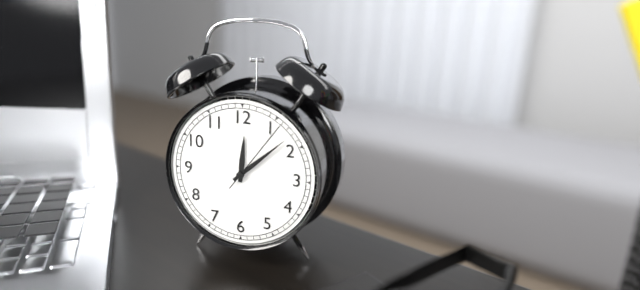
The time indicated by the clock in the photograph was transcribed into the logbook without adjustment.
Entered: 12:08:06
